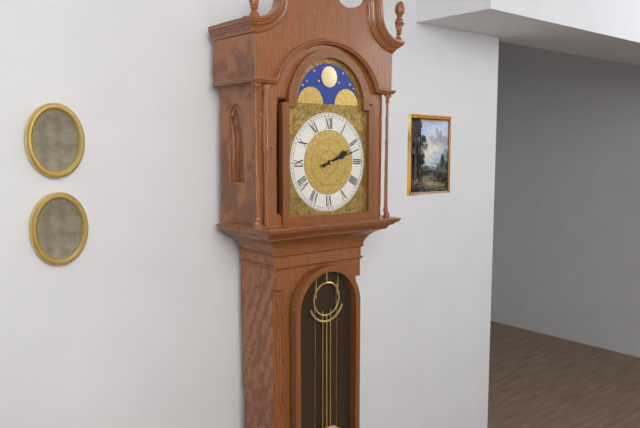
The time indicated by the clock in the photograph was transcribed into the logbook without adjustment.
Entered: 2:12
